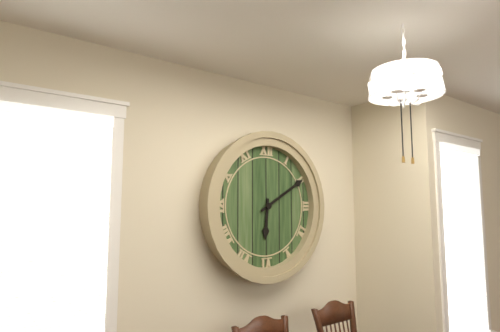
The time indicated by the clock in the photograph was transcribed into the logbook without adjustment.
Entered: 6:10
